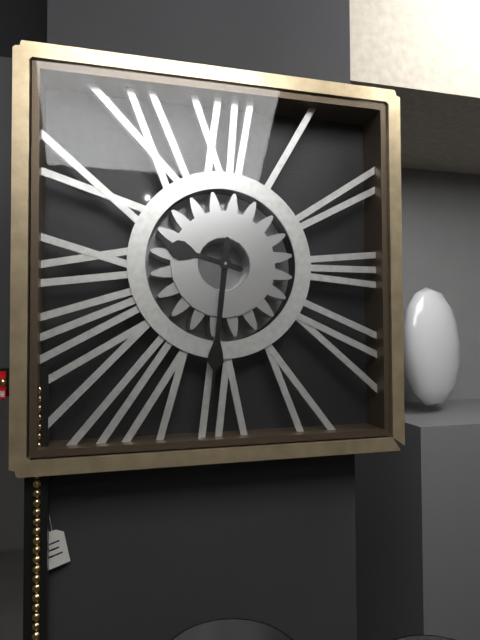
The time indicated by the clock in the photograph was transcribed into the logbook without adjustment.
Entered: 9:31
